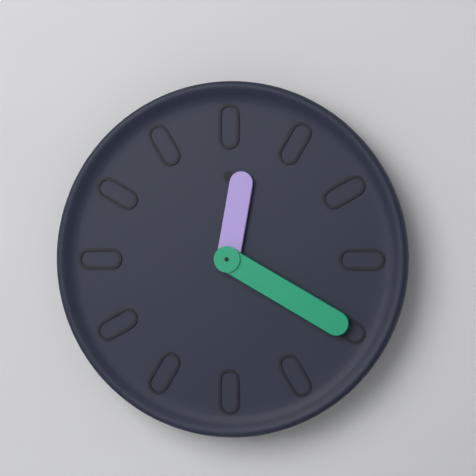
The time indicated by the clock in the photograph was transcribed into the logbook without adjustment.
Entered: 12:20
